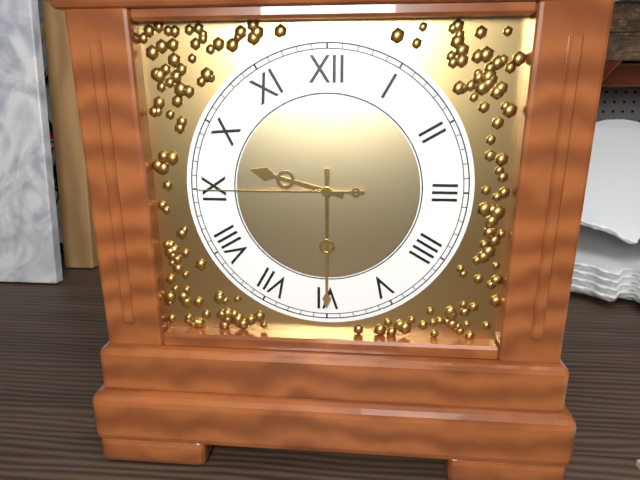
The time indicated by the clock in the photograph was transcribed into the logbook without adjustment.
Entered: 9:30:45
